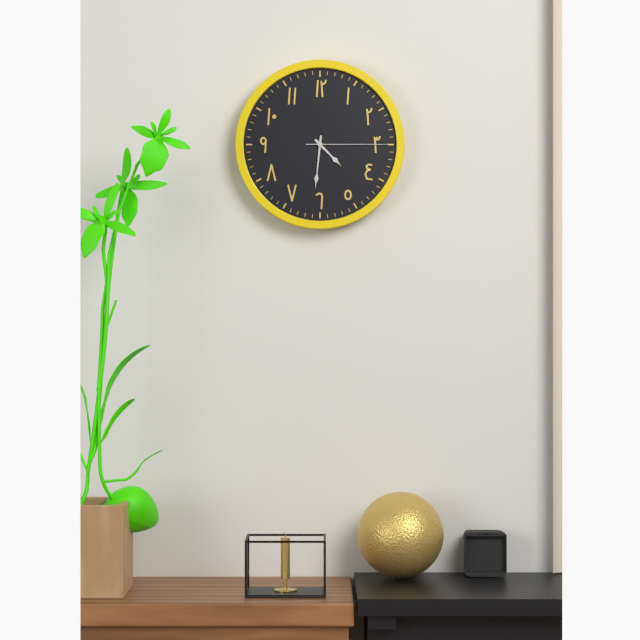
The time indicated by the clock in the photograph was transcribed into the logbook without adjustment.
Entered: 4:31:15
